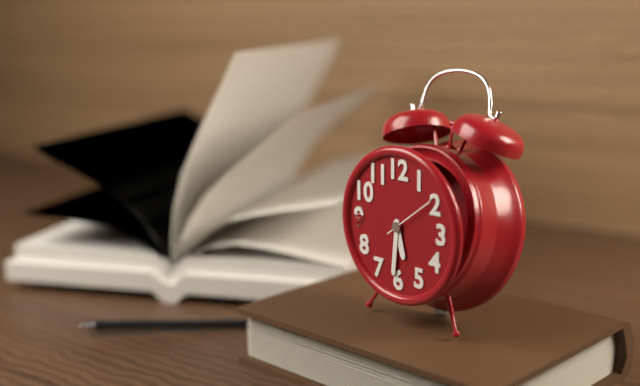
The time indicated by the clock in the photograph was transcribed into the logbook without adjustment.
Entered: 5:31:09
